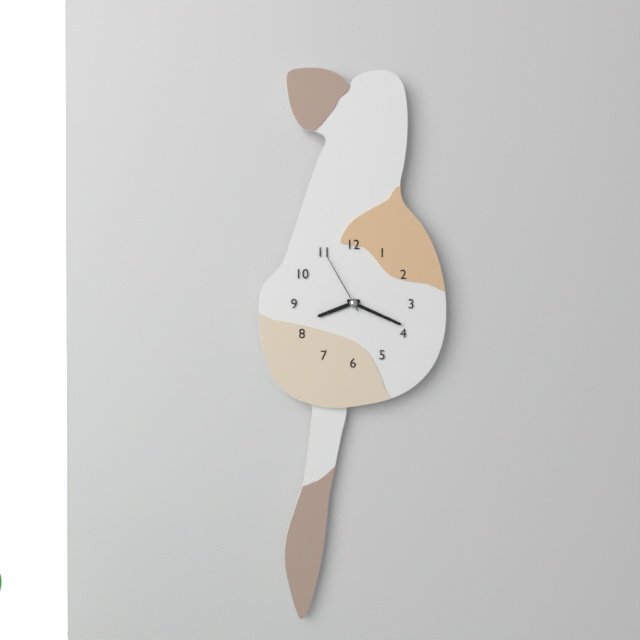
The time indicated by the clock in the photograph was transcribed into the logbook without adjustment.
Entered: 8:19:55
